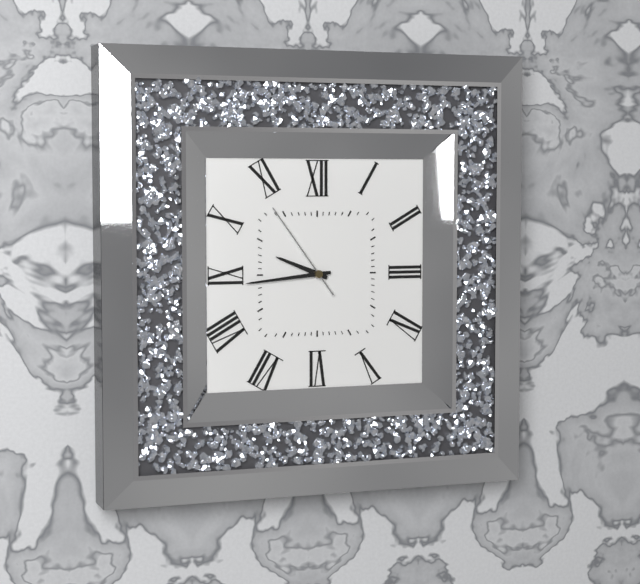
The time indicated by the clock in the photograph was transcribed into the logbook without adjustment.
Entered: 9:44:54
